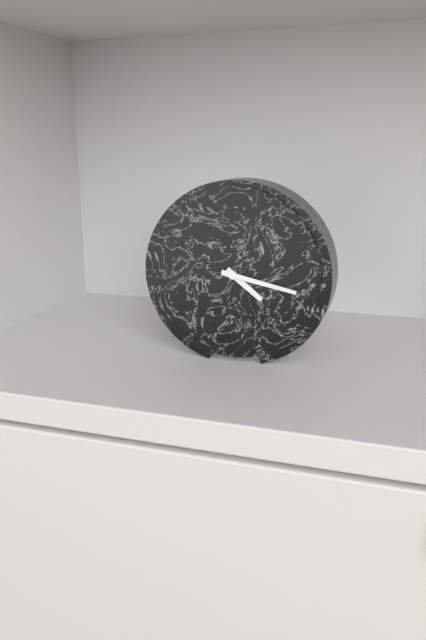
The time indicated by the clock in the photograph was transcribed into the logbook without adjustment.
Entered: 4:17
